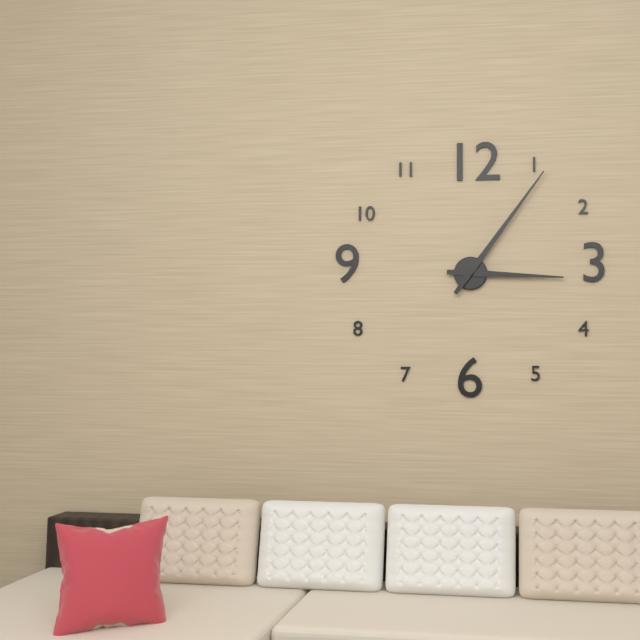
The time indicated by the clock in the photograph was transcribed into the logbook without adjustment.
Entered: 3:06
